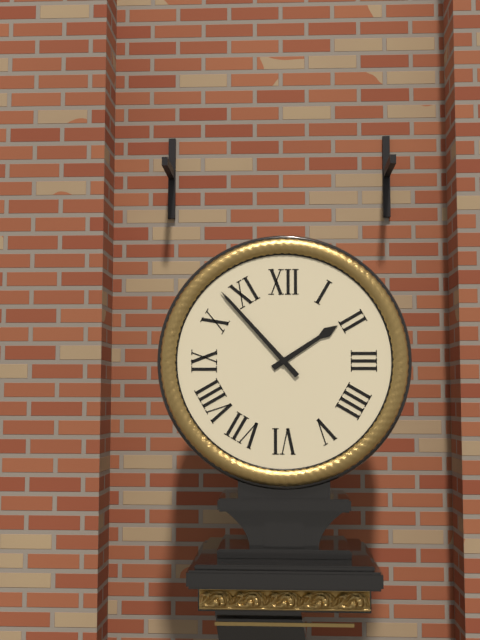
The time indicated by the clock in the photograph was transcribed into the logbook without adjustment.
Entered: 1:53
